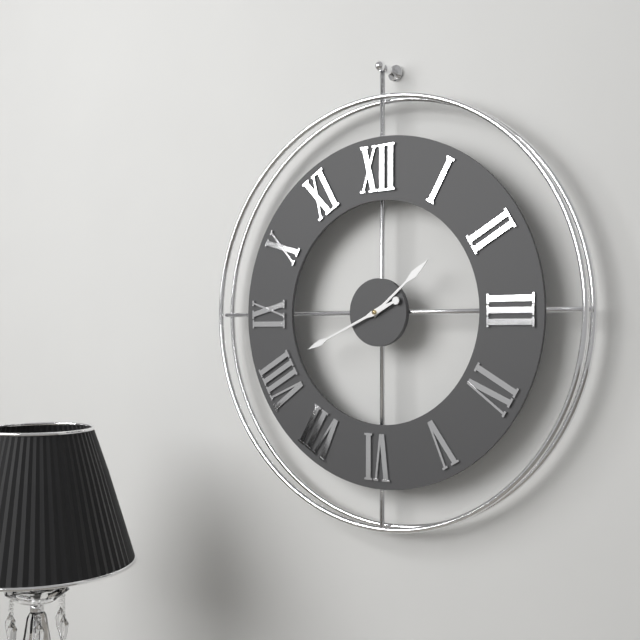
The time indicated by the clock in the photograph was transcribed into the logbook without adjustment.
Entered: 1:41
